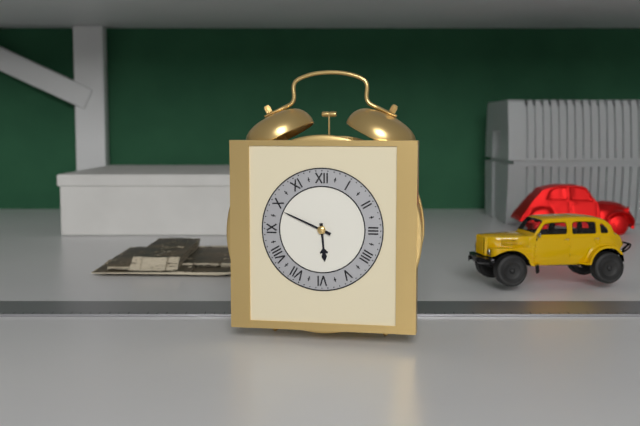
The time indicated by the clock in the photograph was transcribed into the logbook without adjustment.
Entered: 5:49
